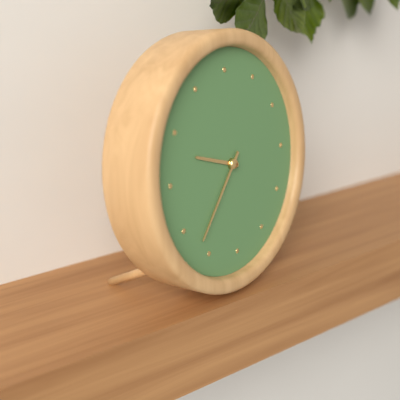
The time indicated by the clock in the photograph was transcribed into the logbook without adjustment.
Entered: 9:37
